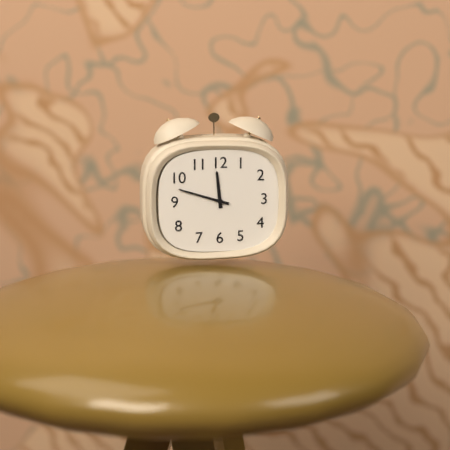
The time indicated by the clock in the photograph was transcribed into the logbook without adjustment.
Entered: 11:48
